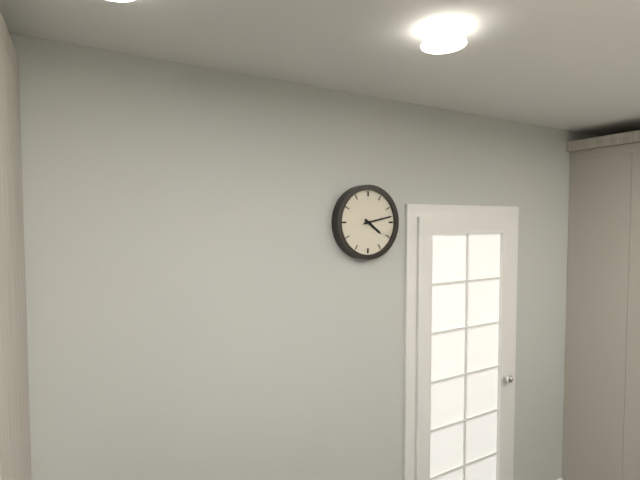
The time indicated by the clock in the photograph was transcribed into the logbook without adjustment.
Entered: 4:13
